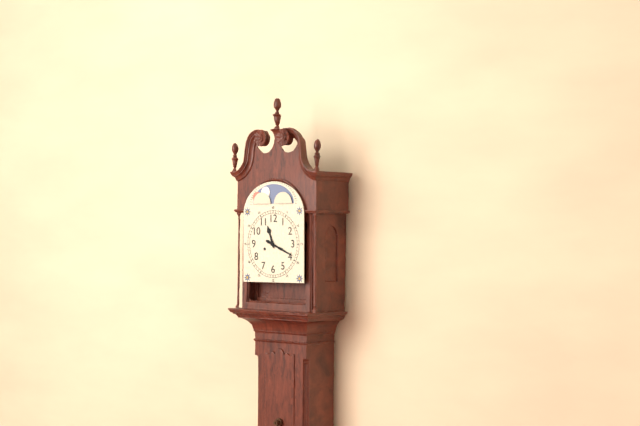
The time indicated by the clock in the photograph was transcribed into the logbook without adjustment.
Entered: 11:19
